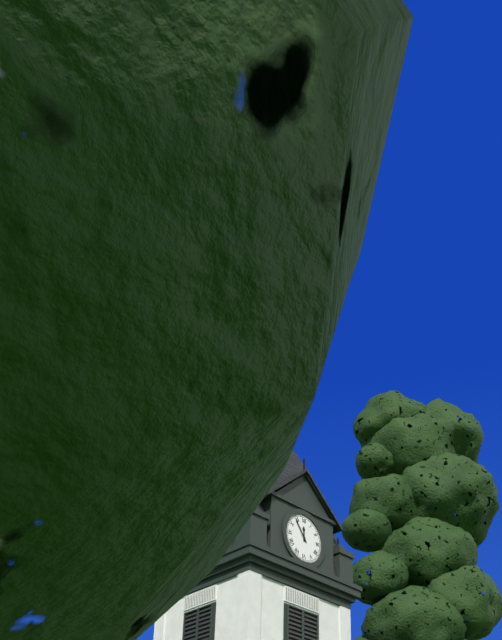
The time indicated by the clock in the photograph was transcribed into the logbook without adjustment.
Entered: 11:54
